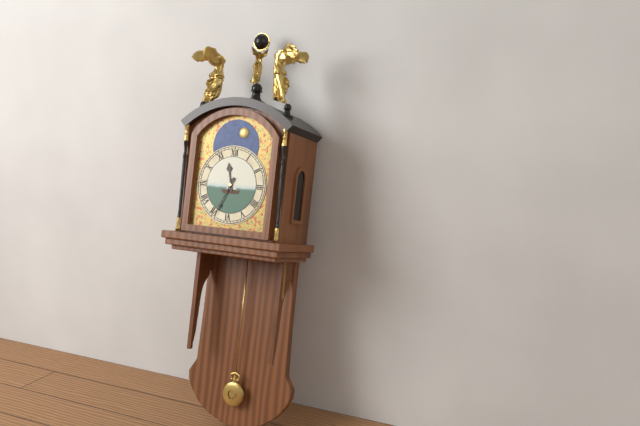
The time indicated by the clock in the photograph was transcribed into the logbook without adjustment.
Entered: 11:34
